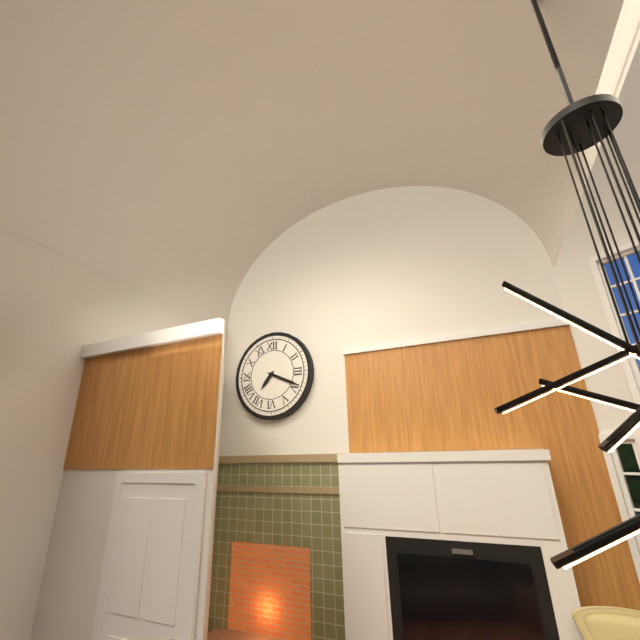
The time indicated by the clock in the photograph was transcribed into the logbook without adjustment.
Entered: 7:19
